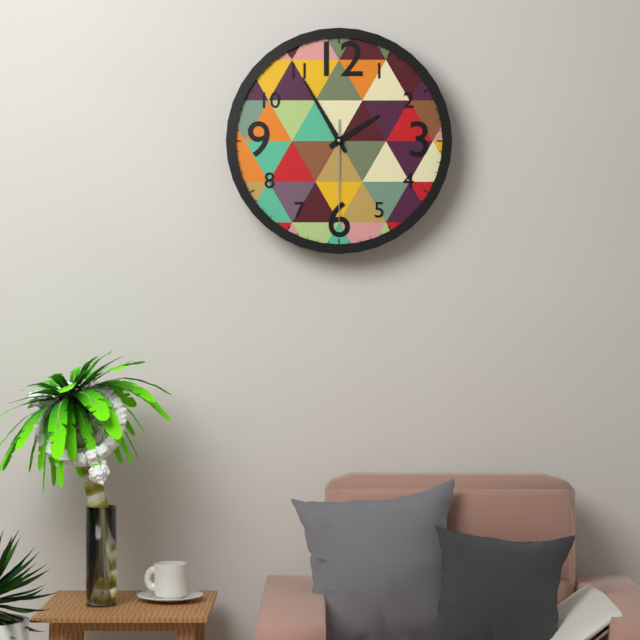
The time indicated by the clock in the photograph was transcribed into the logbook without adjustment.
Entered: 1:55:30
